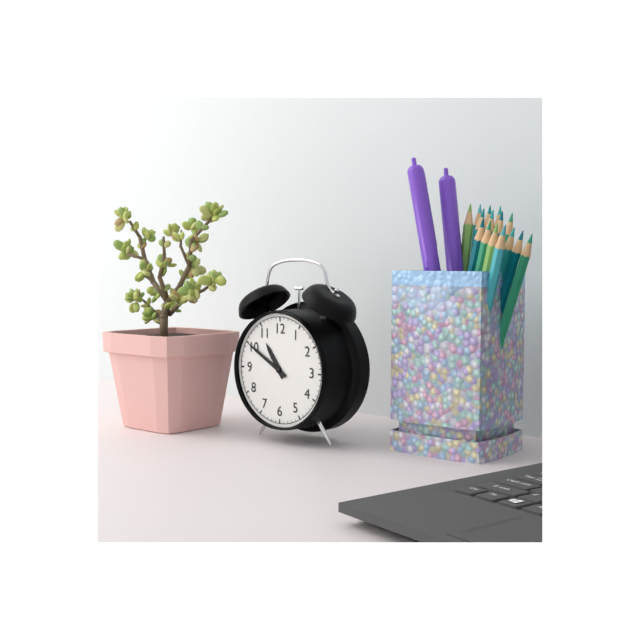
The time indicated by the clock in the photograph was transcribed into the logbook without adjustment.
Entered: 10:50
